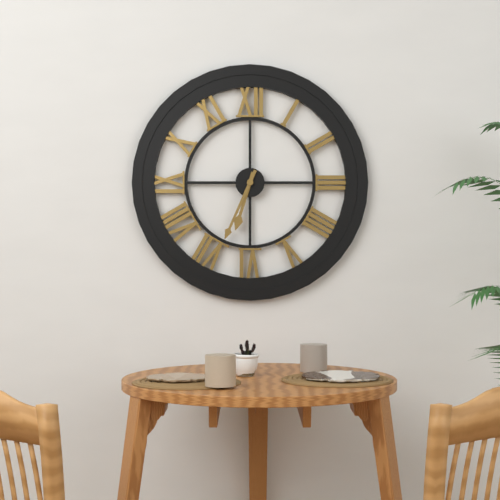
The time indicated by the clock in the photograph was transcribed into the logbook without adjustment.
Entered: 6:34
